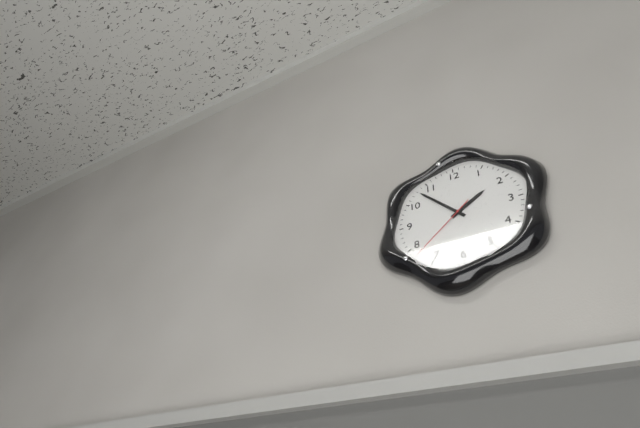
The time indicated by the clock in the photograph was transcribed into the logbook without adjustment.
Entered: 1:53:38
